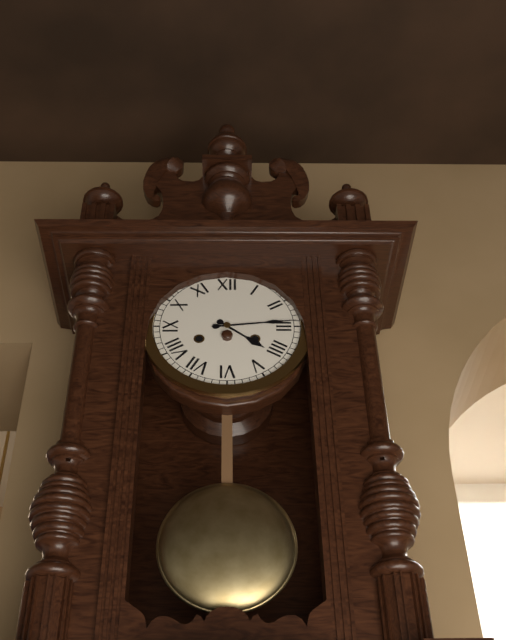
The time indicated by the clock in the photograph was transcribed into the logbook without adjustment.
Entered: 4:14
